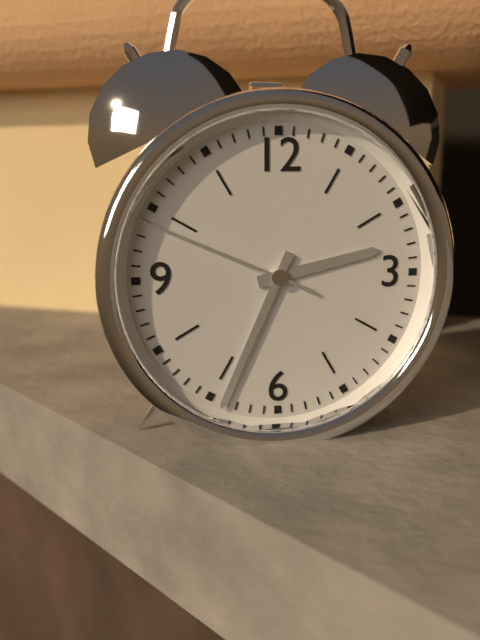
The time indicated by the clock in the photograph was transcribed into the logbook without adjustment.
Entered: 2:34:49
